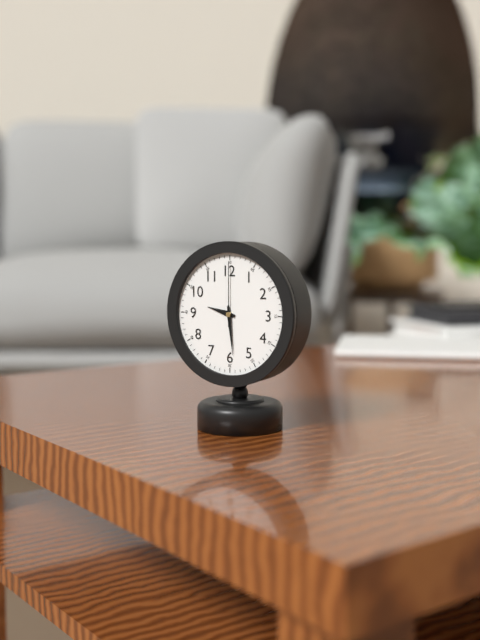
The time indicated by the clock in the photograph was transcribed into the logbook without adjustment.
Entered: 9:29:00
